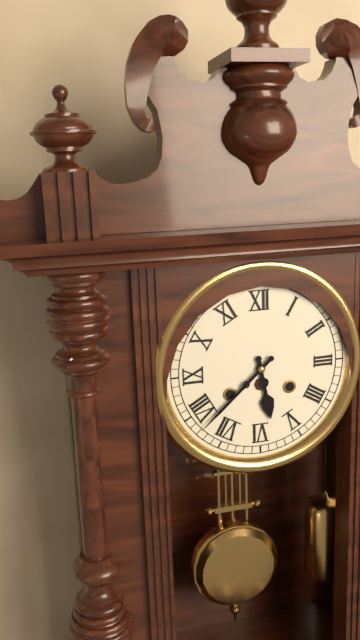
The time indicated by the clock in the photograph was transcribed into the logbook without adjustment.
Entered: 5:38
